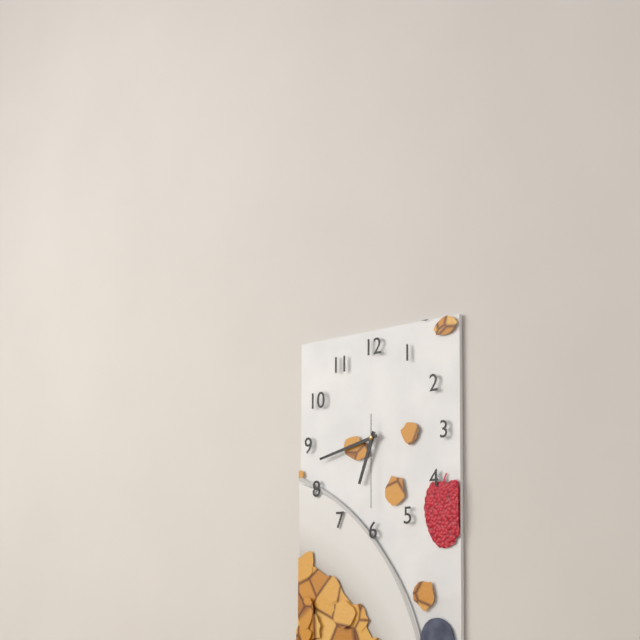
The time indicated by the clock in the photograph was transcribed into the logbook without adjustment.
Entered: 6:43:30
